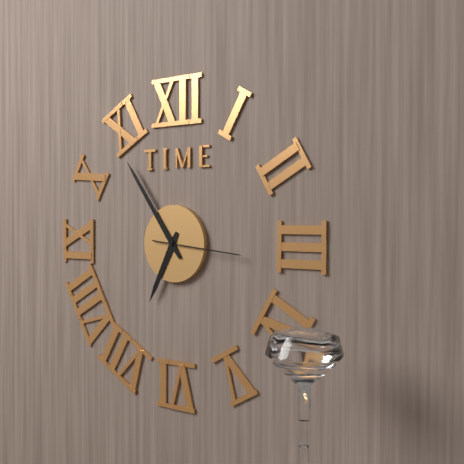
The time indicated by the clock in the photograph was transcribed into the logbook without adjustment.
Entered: 6:54:16
